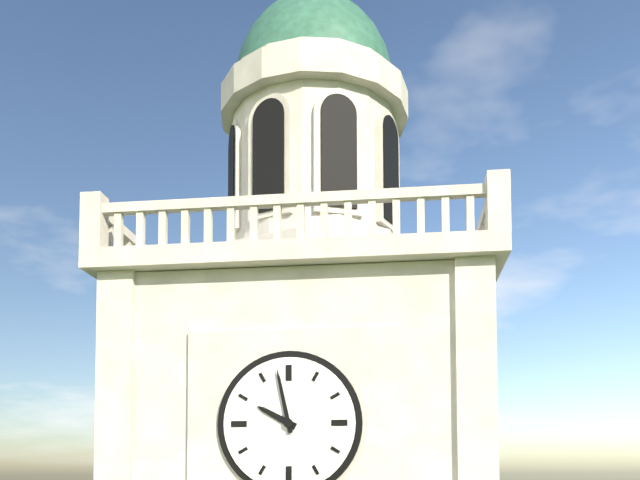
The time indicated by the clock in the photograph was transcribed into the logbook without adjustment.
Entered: 9:58
